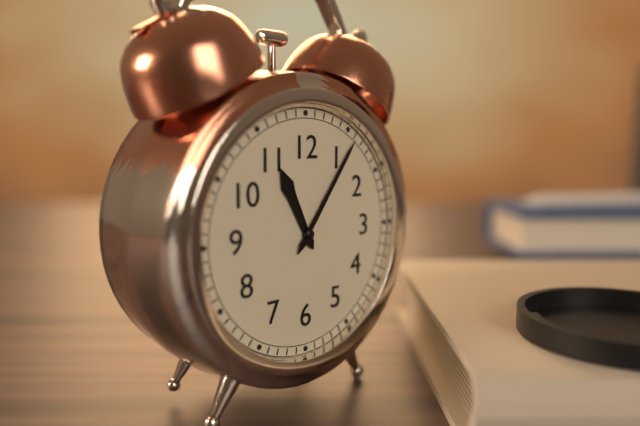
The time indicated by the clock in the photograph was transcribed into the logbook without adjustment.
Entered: 11:06
